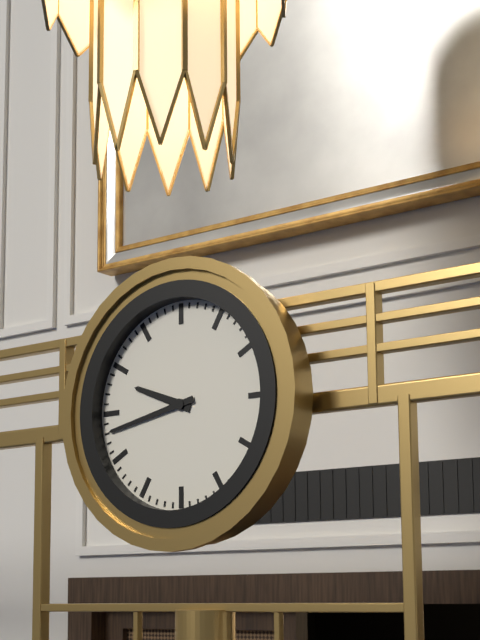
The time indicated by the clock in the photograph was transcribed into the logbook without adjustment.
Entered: 9:43
